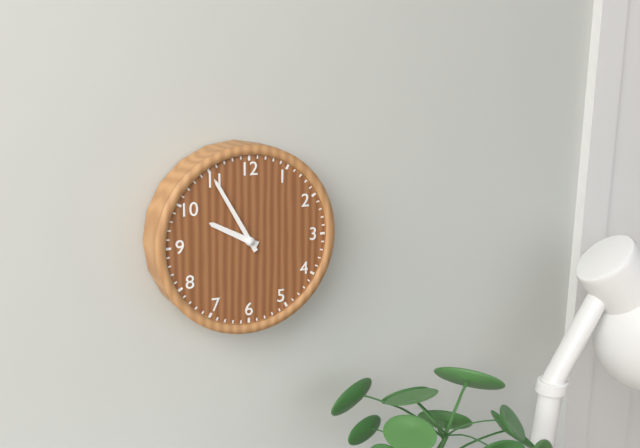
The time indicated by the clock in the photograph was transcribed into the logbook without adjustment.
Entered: 9:55
